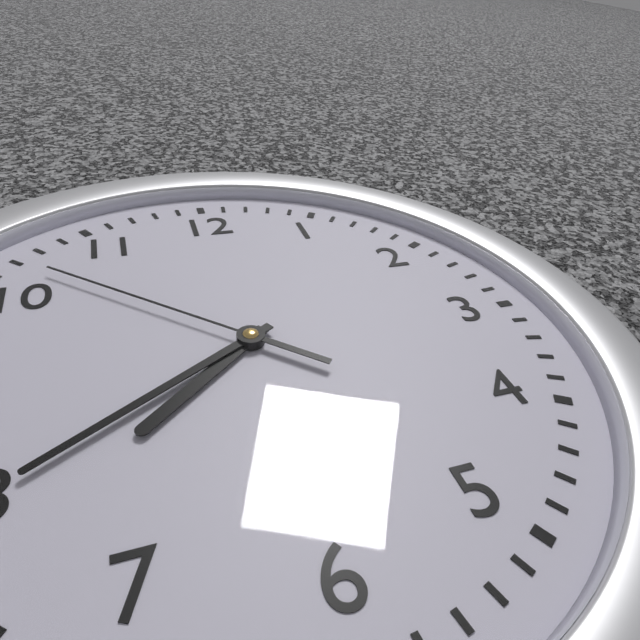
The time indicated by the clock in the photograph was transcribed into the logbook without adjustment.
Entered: 7:40:52
